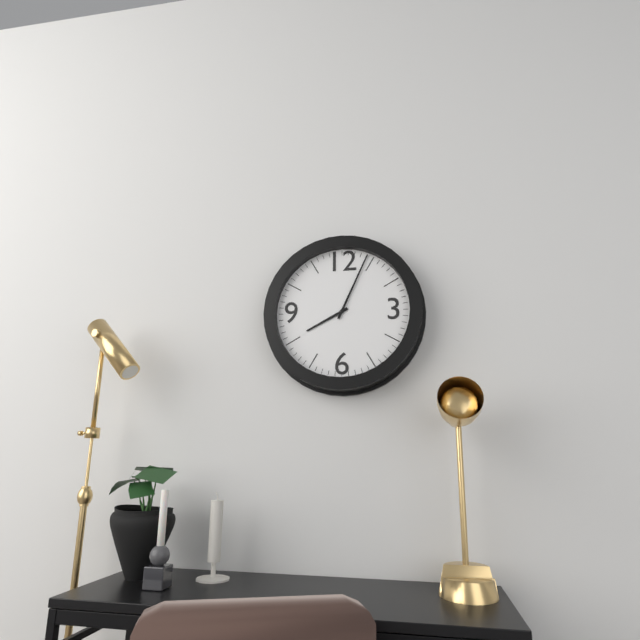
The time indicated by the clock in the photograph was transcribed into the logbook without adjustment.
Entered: 8:04
